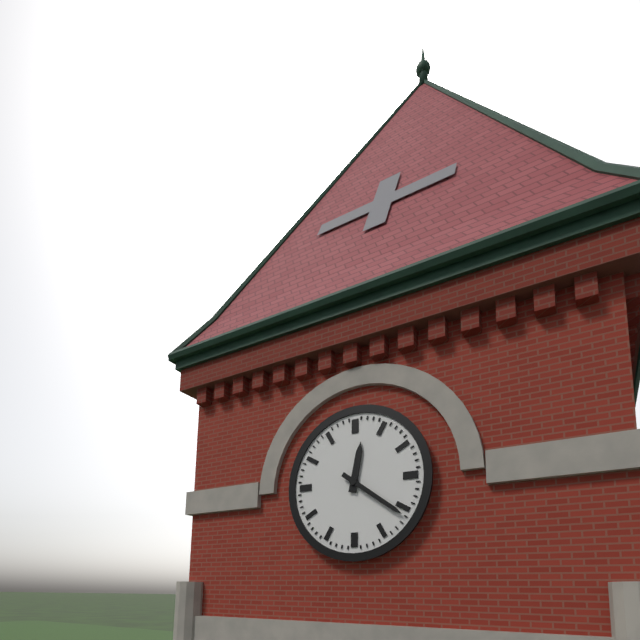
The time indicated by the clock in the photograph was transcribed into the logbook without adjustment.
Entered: 12:21
